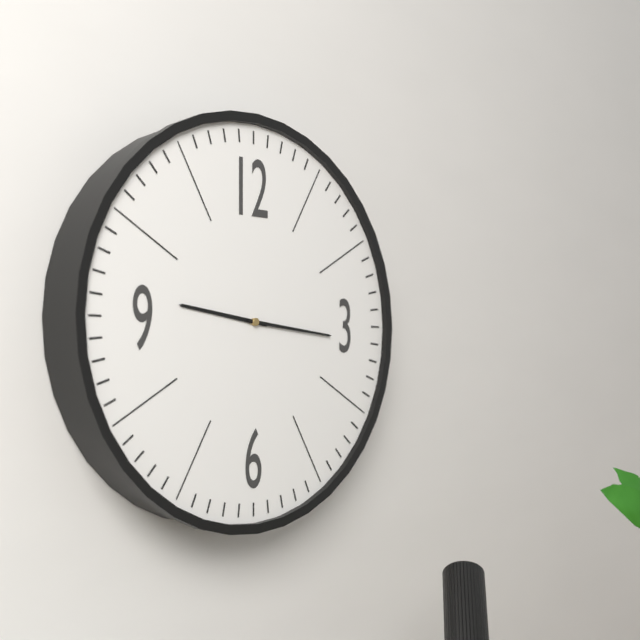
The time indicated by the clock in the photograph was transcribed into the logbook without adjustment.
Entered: 9:16
